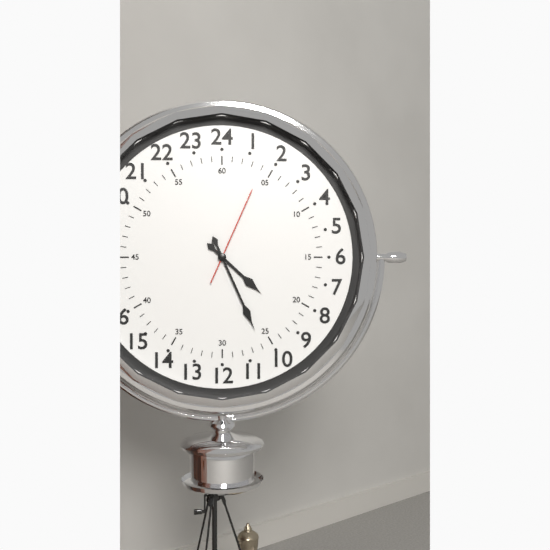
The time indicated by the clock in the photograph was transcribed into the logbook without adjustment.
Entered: 4:26:04
